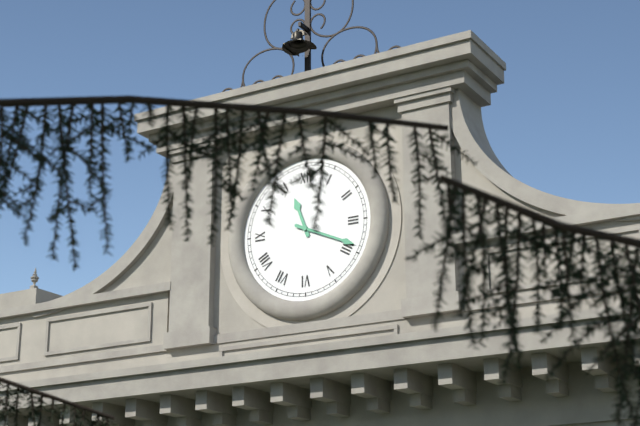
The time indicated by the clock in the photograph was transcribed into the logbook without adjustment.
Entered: 11:19
